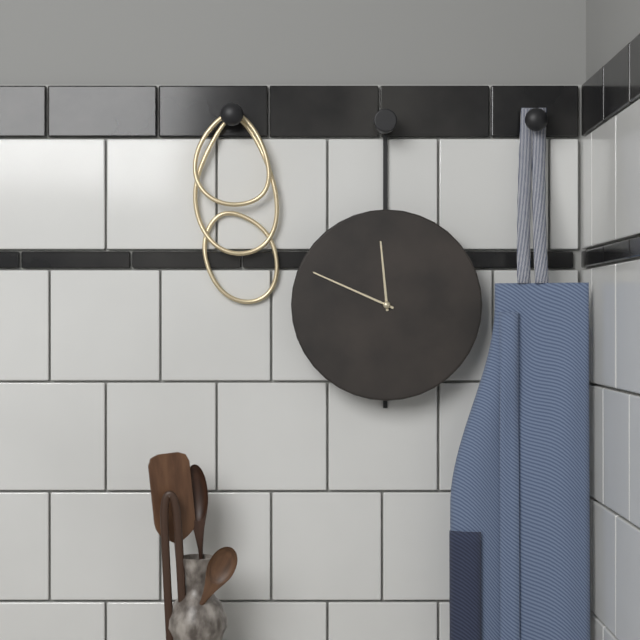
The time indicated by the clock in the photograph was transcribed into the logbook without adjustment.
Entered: 11:49
